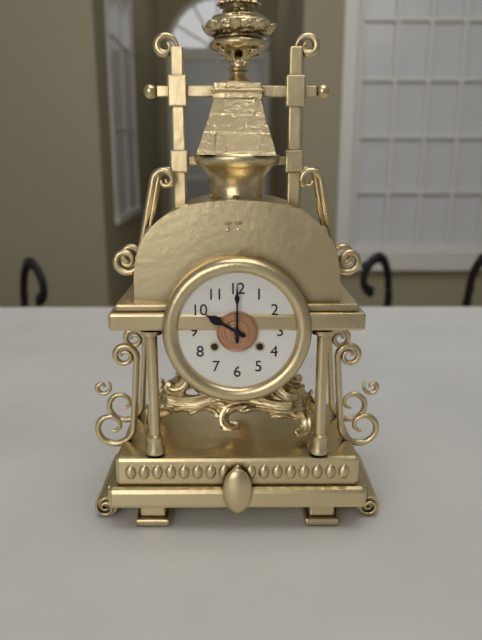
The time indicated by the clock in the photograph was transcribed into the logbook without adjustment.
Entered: 10:00
